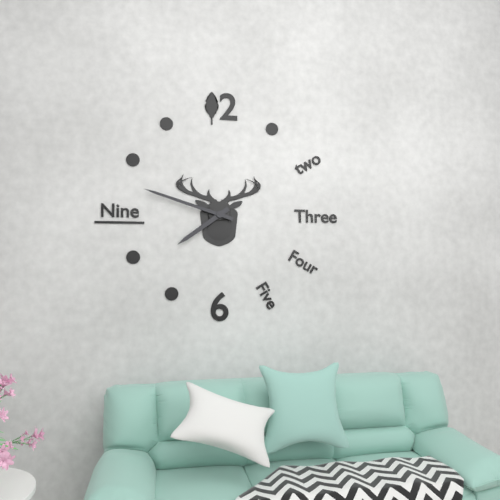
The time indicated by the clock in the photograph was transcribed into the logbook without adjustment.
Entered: 7:48
